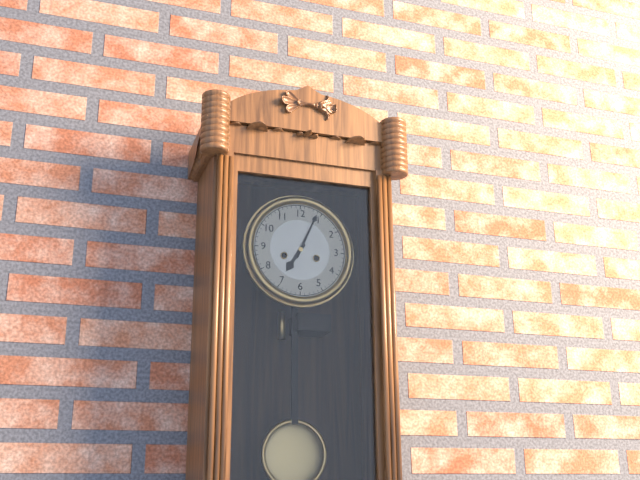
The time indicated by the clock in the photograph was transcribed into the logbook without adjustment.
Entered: 7:04
